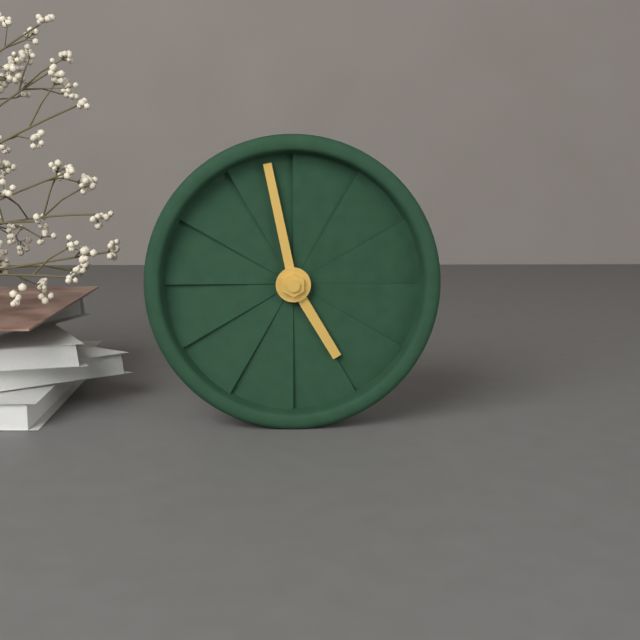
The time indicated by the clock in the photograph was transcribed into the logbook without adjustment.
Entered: 4:58
